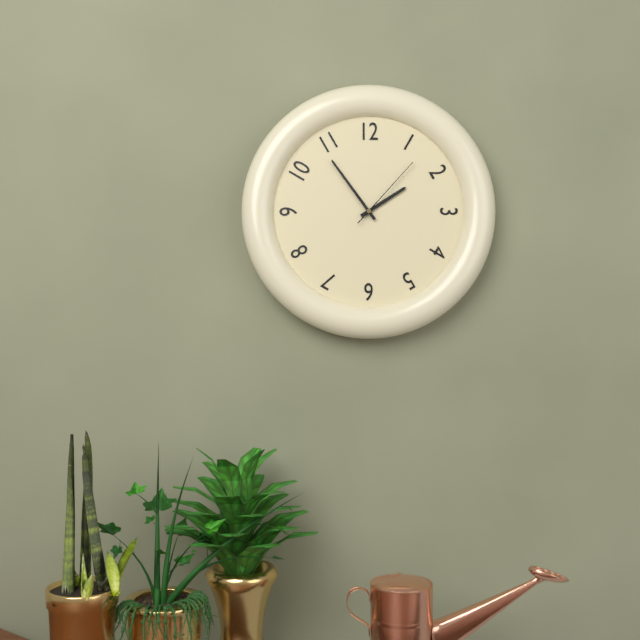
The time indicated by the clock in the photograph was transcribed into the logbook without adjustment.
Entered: 1:54:07
